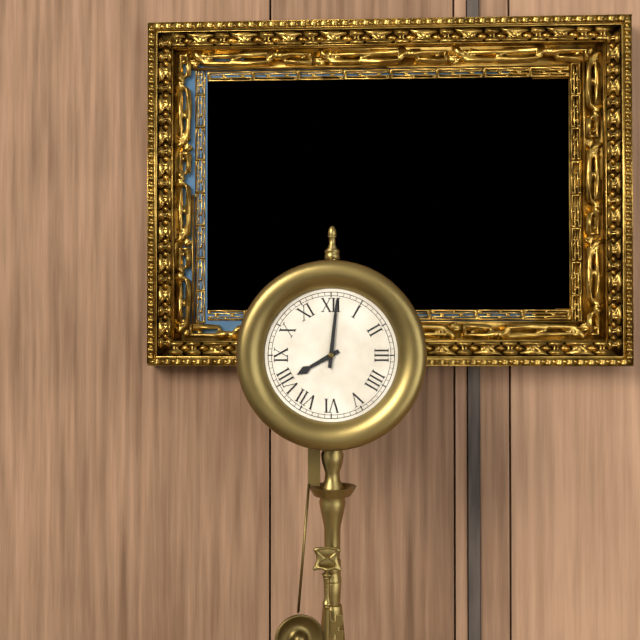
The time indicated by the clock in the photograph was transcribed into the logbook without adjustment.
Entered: 8:01
